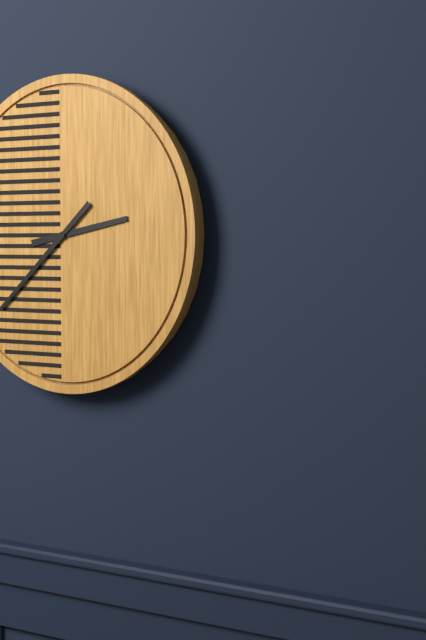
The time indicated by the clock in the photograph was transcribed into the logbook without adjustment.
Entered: 2:38
